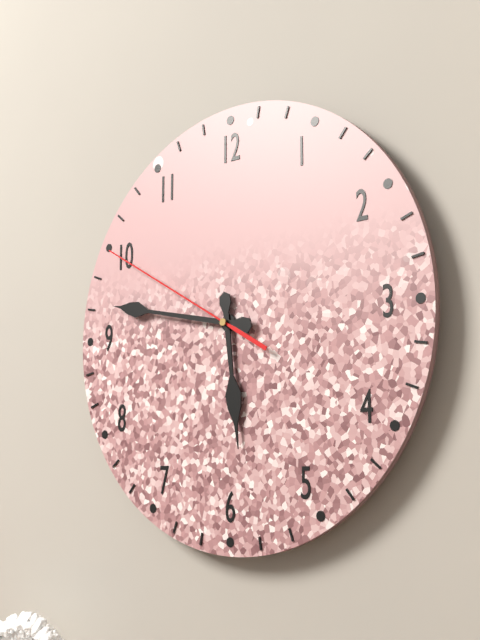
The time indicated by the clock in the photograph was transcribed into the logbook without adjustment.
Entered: 5:47:50
